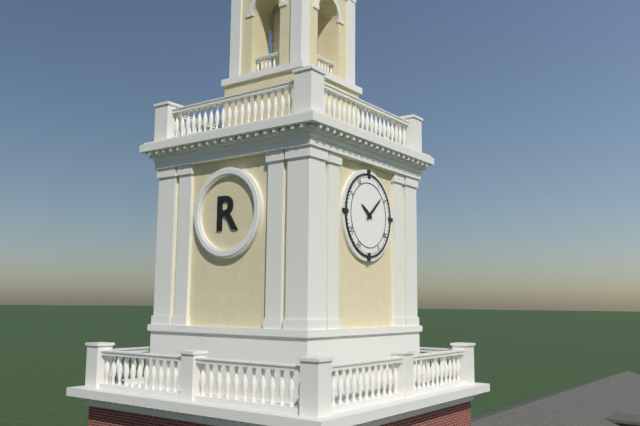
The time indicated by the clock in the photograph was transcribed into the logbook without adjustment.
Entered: 10:08
